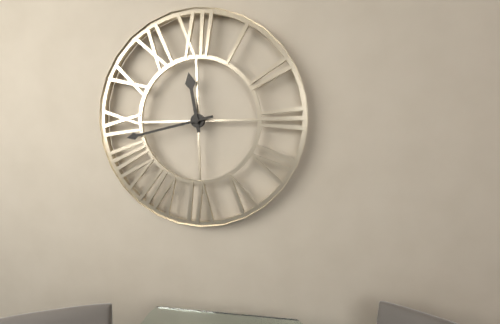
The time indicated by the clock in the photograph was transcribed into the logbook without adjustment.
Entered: 11:43
